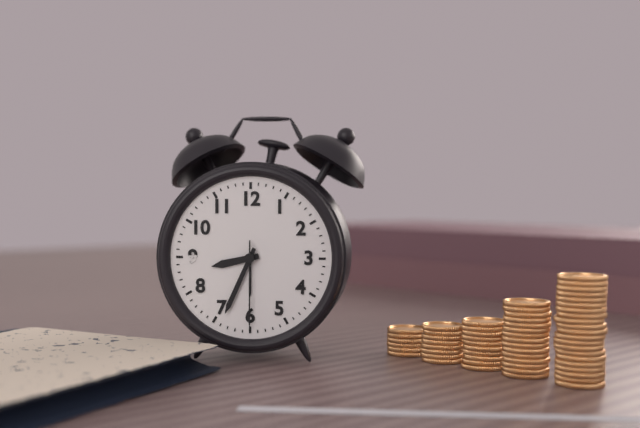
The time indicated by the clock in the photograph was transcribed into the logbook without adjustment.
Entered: 8:34:30
